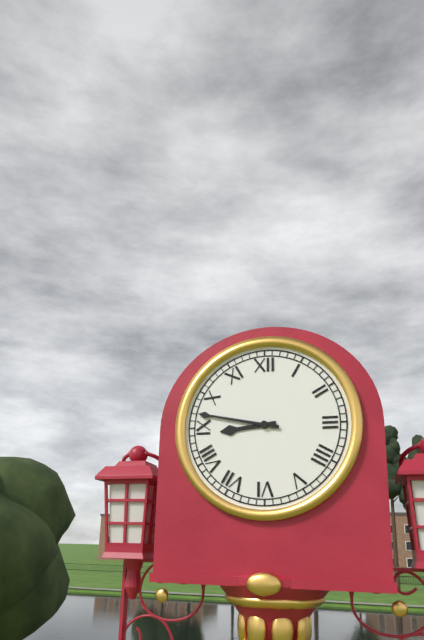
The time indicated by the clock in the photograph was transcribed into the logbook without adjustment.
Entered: 8:47
